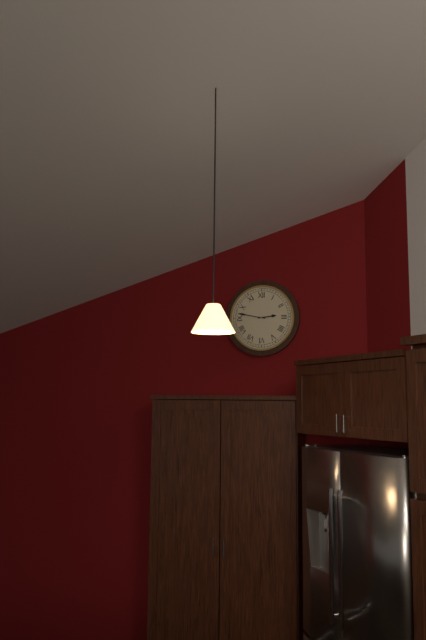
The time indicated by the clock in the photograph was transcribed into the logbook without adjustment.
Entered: 2:47
